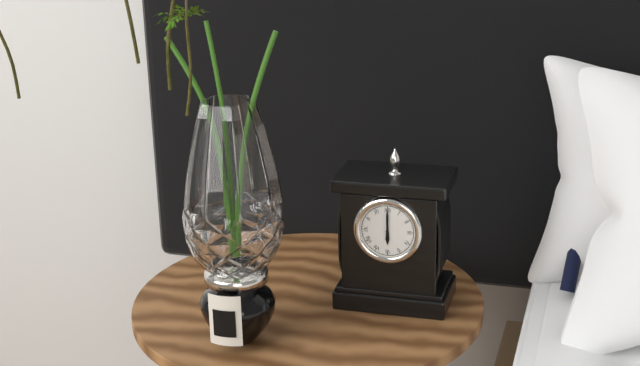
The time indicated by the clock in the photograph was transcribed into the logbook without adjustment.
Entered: 6:00
